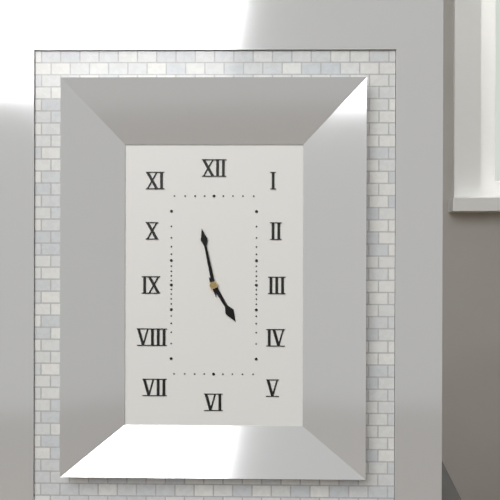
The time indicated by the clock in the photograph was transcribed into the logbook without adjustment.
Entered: 4:58
